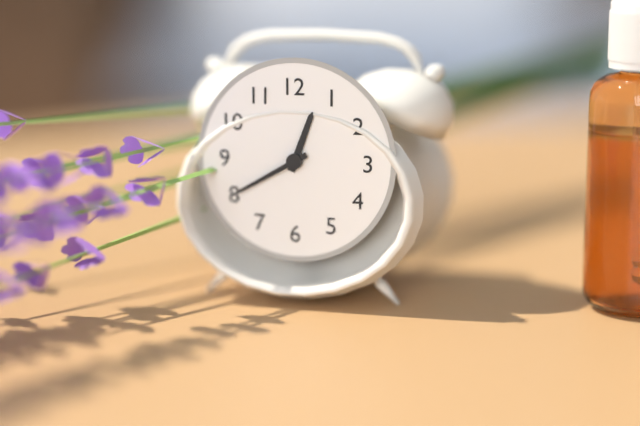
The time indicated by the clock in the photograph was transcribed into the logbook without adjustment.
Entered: 12:40
